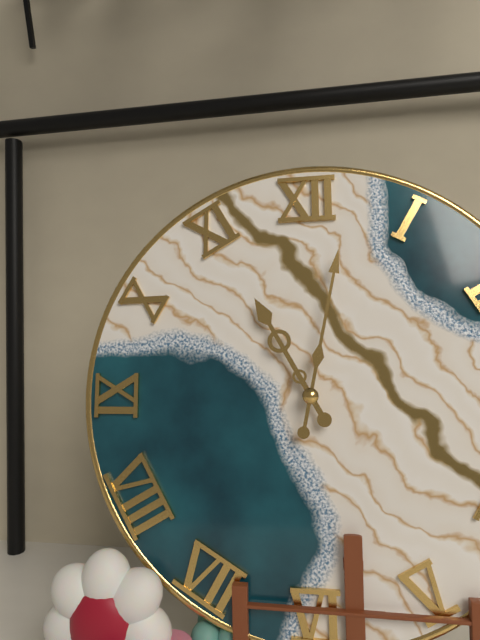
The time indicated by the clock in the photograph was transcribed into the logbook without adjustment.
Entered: 11:02
